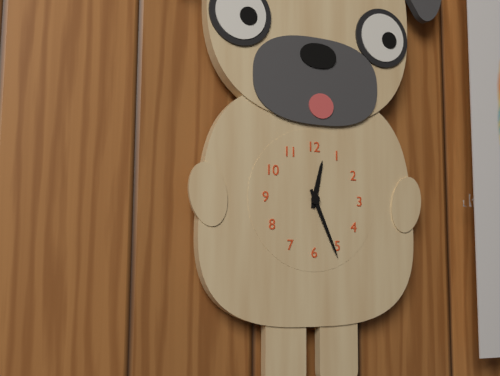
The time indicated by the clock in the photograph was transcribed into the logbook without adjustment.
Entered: 12:26
